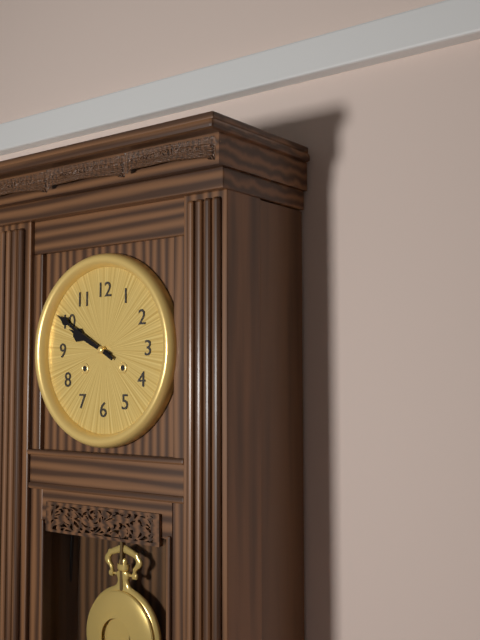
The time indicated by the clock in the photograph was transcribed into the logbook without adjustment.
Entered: 9:50
